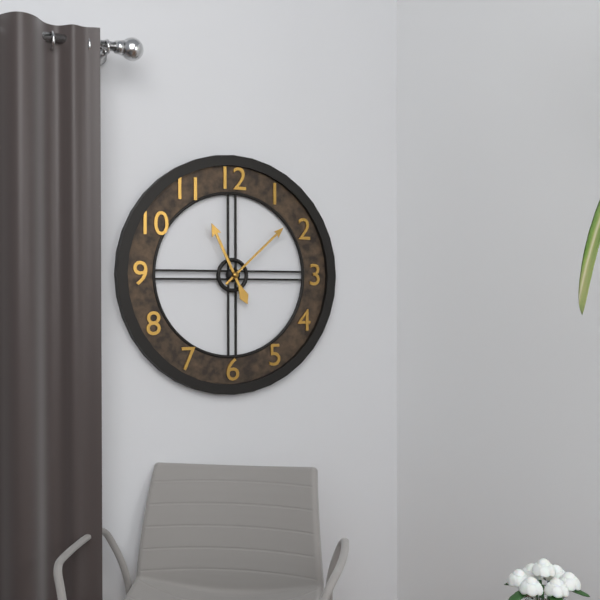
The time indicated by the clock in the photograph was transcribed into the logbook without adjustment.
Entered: 11:08
